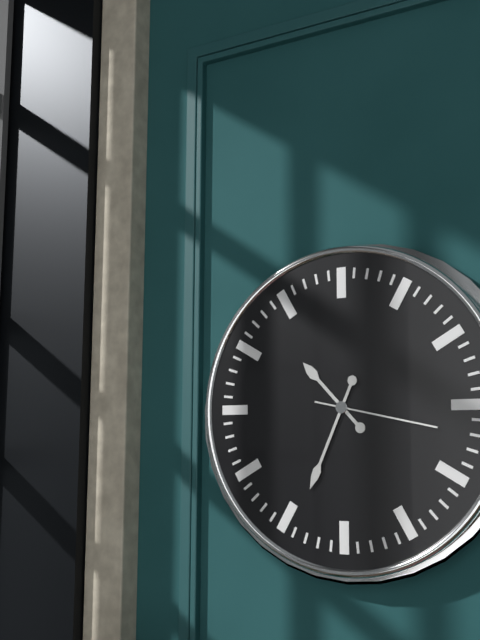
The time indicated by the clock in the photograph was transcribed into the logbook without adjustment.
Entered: 10:34:17
